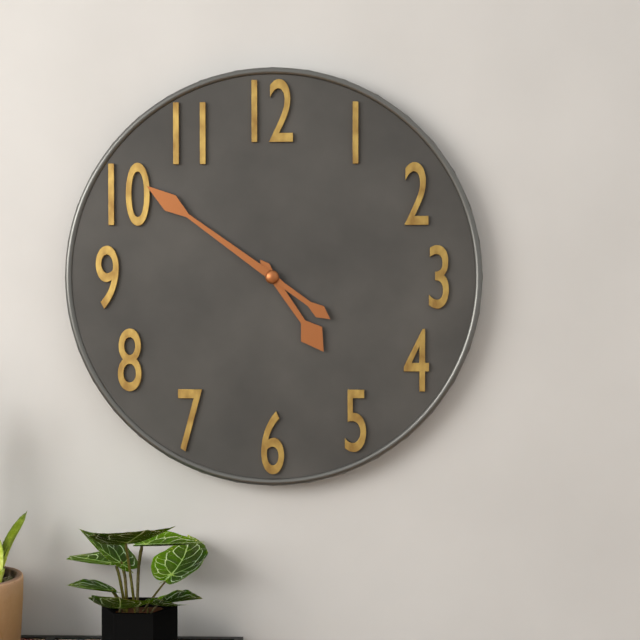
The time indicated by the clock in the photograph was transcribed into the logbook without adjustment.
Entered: 4:51
